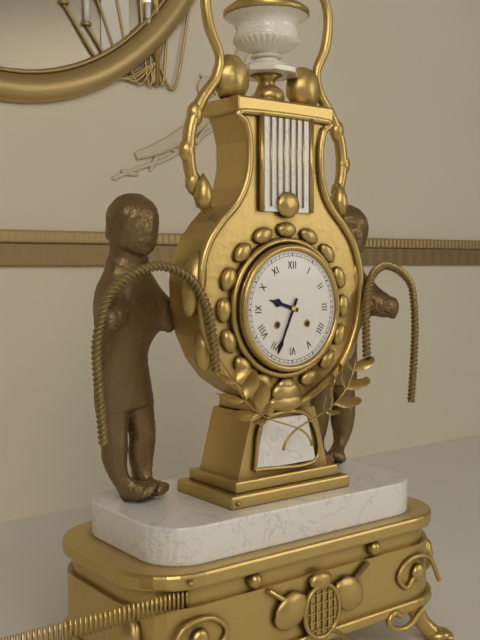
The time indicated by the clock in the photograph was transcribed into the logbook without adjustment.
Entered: 9:34
